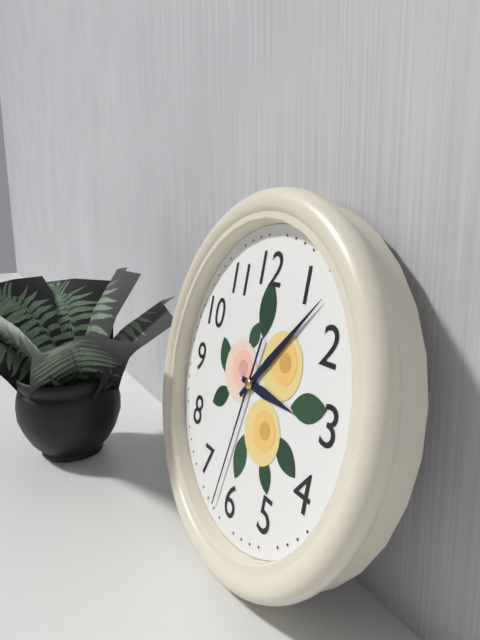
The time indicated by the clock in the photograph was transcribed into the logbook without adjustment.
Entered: 3:07:32
